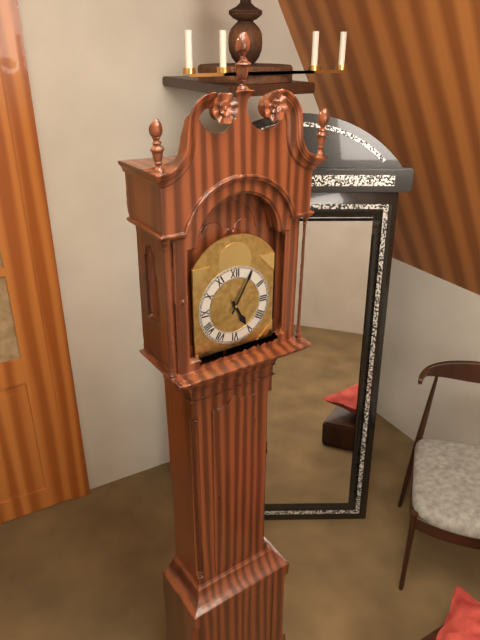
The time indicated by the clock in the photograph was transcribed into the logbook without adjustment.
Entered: 5:05
